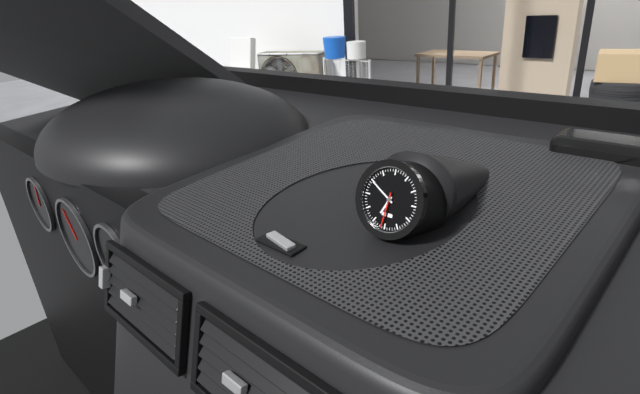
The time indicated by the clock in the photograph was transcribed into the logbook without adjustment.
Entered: 6:50
